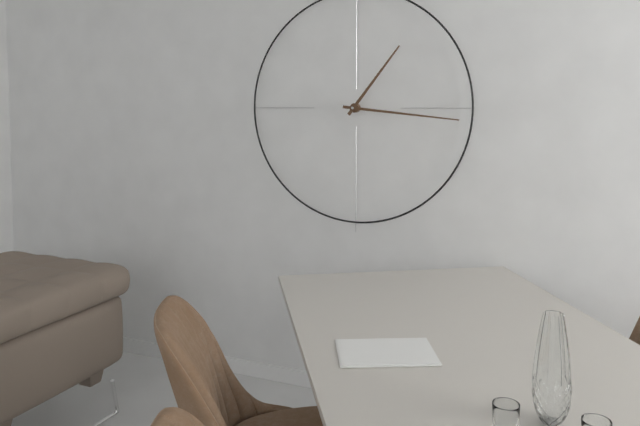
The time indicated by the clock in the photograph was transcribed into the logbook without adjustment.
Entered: 1:16
